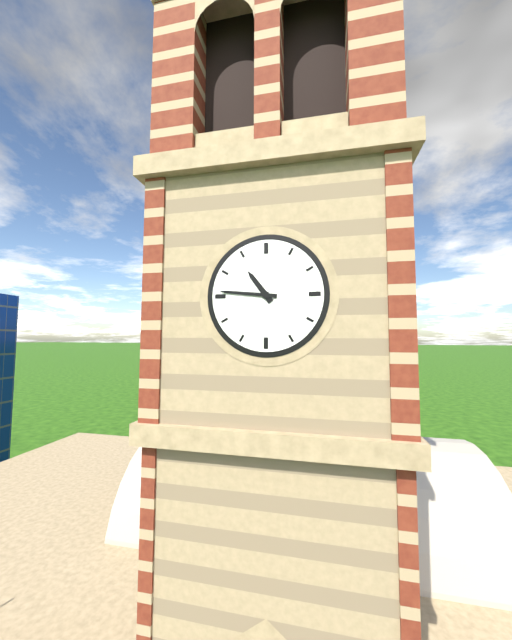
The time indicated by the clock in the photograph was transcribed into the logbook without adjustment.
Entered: 10:46
